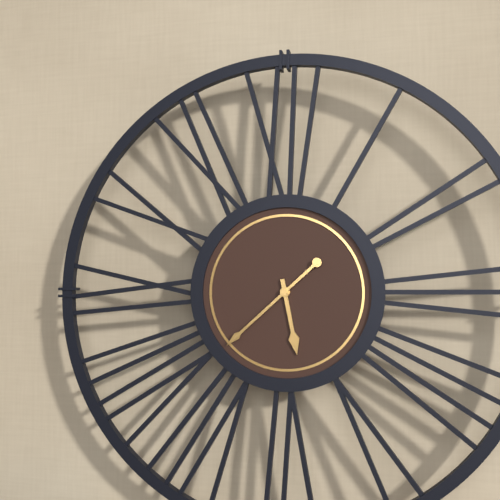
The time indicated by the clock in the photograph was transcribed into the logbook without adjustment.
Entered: 5:38
